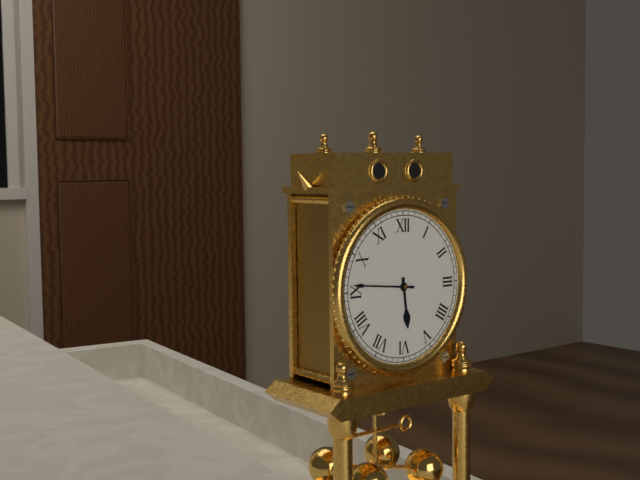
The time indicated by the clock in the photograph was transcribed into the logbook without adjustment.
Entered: 5:46
